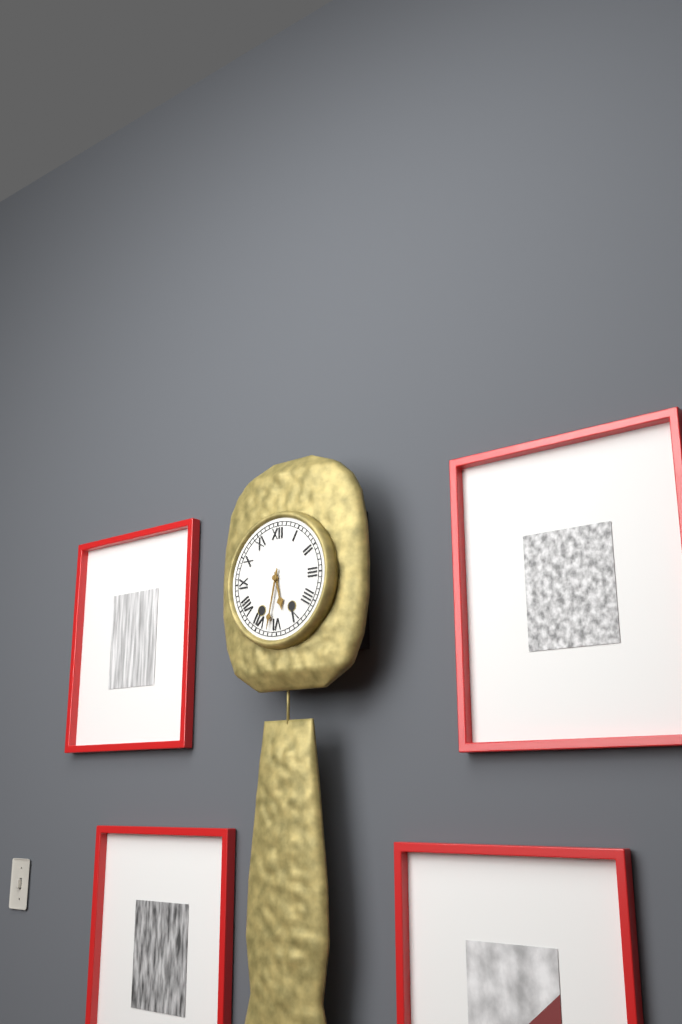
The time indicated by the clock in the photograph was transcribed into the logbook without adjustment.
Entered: 5:32
